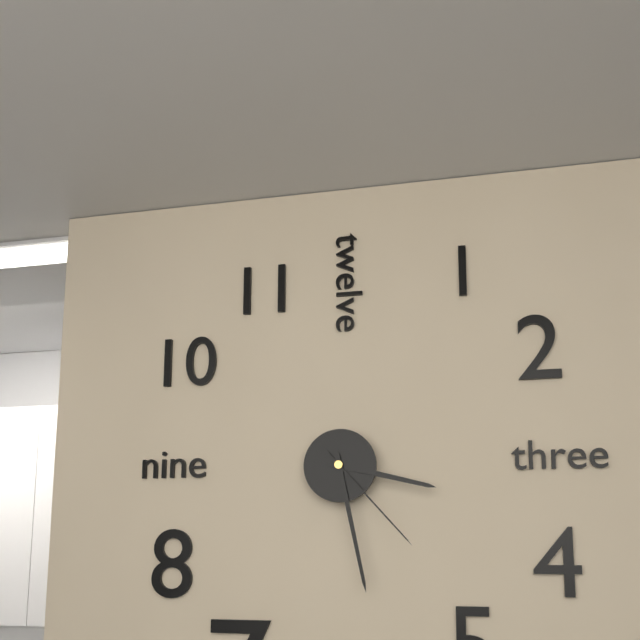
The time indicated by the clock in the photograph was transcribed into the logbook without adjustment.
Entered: 3:28:23
